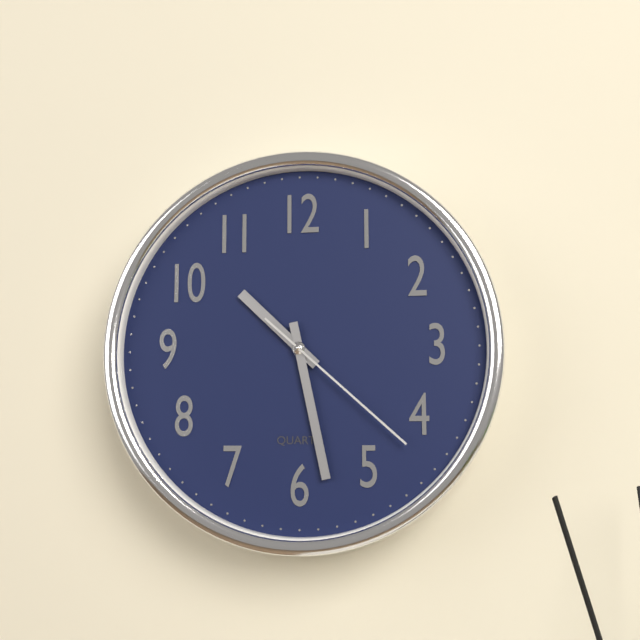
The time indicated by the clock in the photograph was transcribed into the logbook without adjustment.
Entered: 10:28:22
